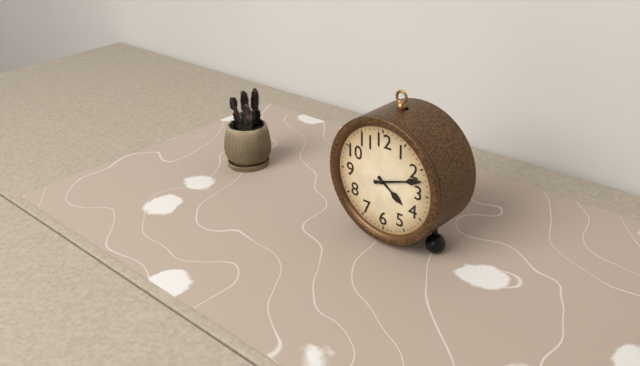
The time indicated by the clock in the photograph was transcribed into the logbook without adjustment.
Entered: 4:12
